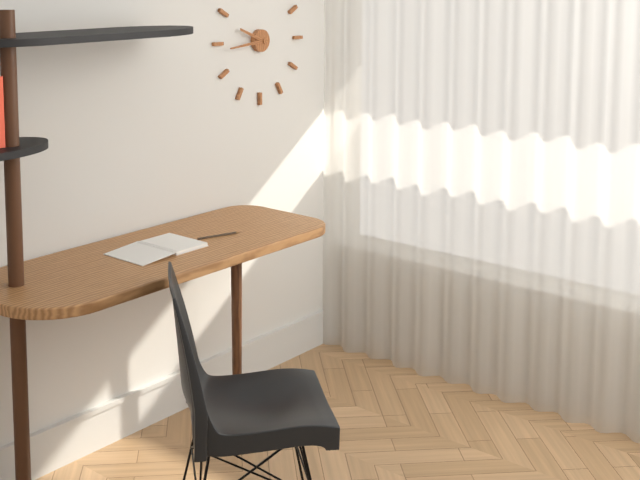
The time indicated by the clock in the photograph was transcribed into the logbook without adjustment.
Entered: 9:44
